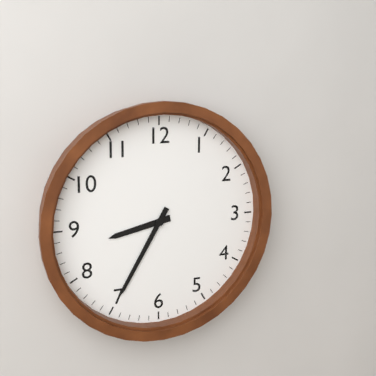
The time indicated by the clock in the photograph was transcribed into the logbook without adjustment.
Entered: 8:35
